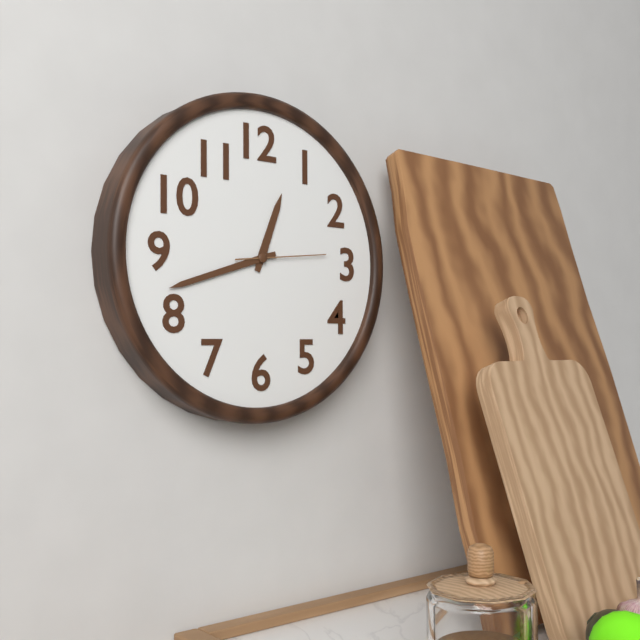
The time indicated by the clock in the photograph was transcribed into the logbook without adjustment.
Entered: 12:42:14
